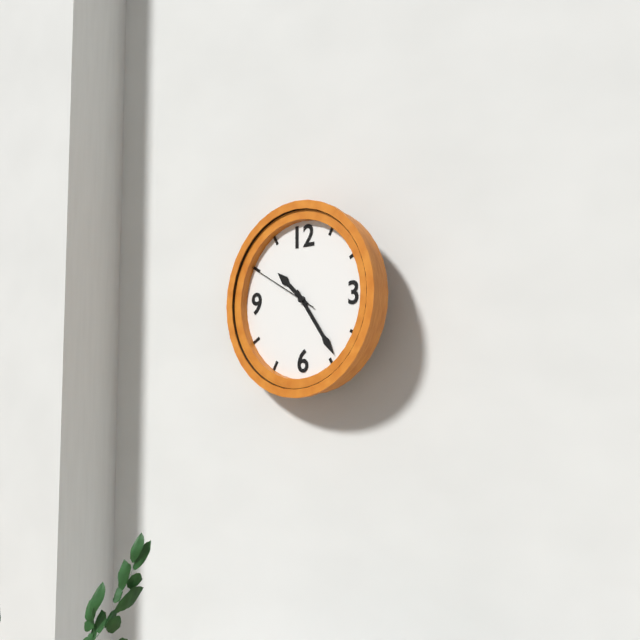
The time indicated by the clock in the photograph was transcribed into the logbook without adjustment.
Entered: 10:24:50
